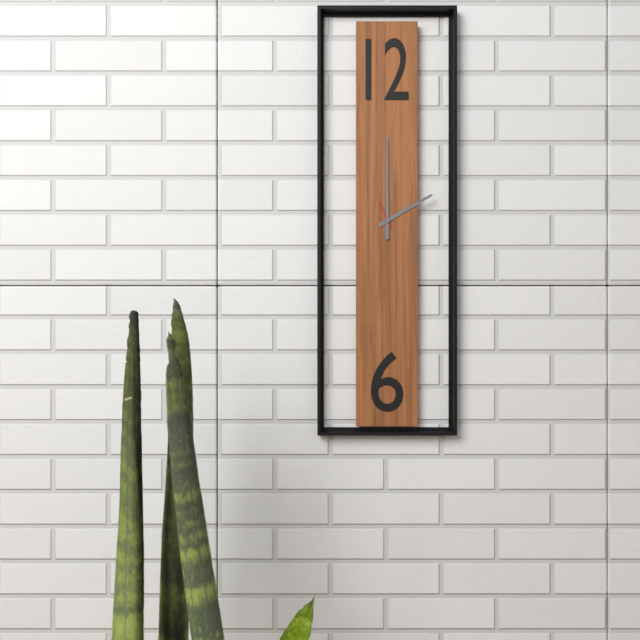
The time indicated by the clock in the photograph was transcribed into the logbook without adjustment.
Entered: 2:00
